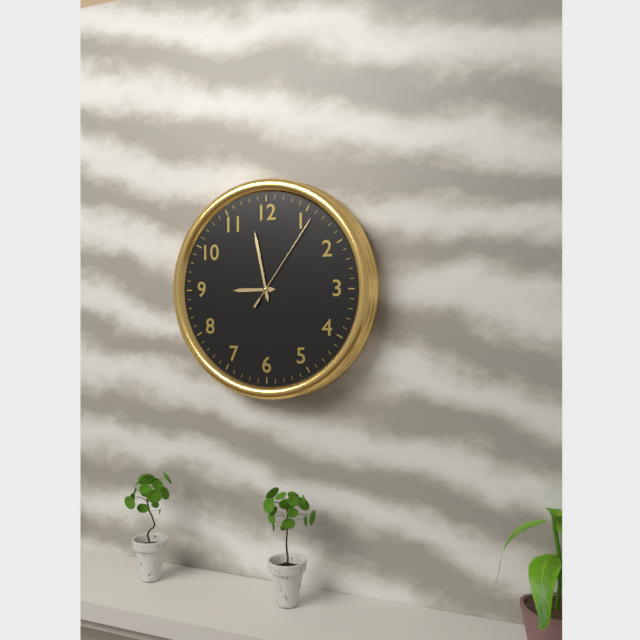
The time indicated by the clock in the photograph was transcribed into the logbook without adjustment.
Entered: 8:58:06
